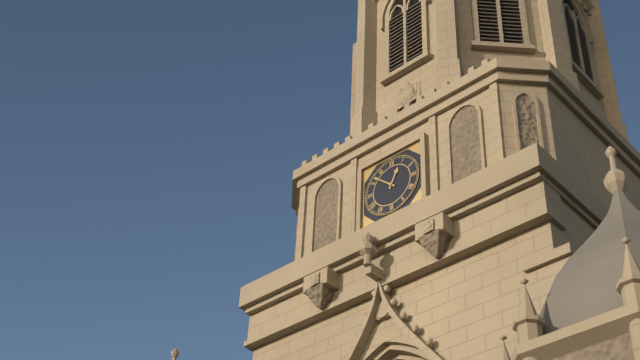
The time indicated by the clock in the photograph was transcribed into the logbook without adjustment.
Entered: 12:52
